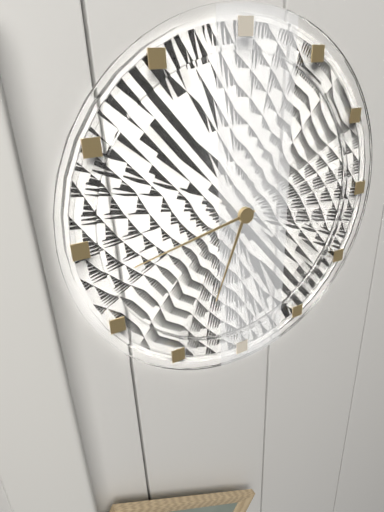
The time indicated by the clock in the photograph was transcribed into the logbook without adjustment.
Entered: 6:43
